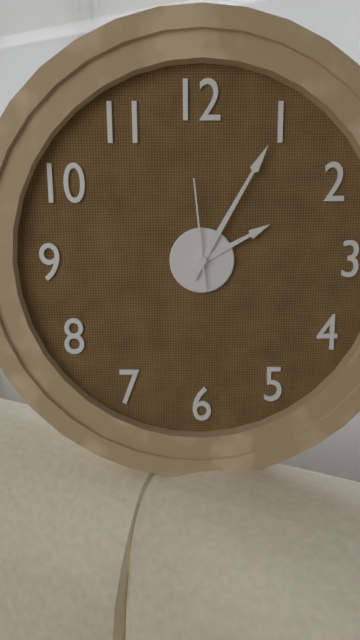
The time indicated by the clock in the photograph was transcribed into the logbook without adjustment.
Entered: 2:05:59
